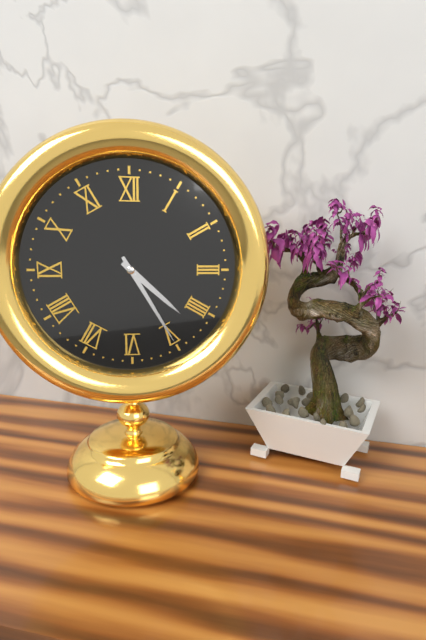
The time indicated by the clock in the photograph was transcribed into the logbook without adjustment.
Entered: 4:25
